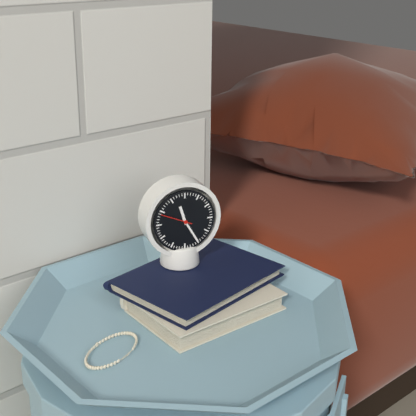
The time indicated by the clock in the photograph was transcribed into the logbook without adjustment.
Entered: 11:25
